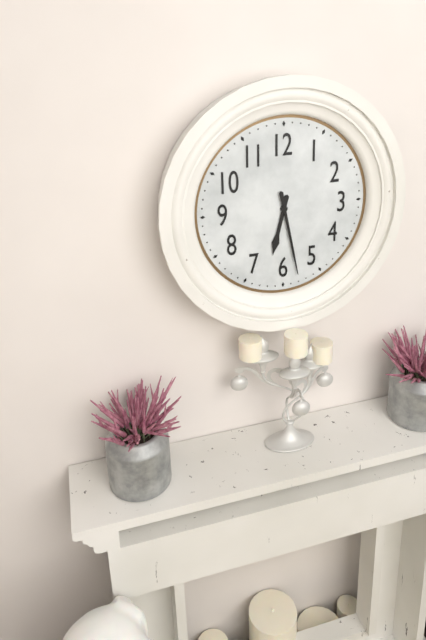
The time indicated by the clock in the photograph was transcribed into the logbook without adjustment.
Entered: 6:28
